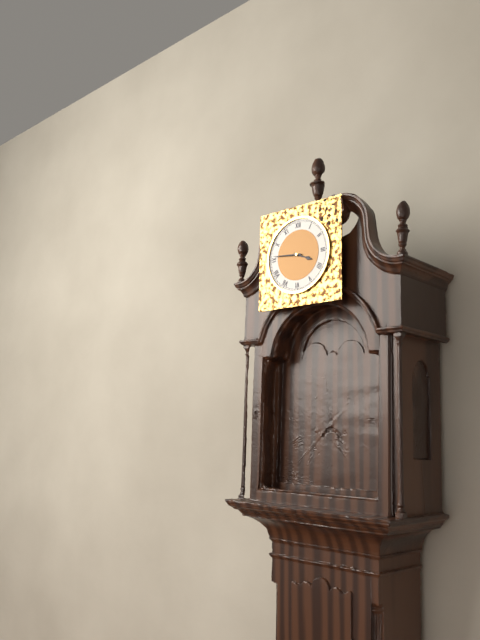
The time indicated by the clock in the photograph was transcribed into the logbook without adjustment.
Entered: 3:46
